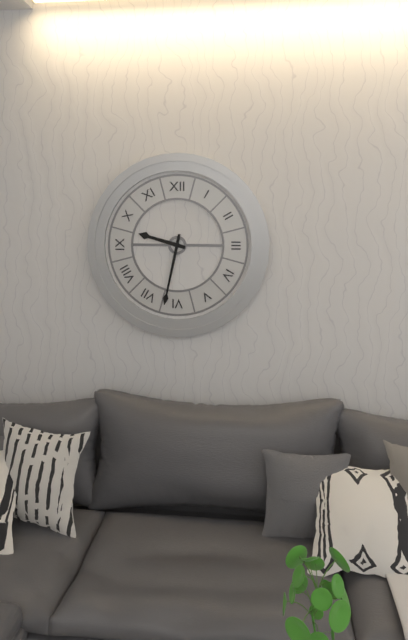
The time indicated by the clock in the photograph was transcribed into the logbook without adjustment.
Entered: 9:32
